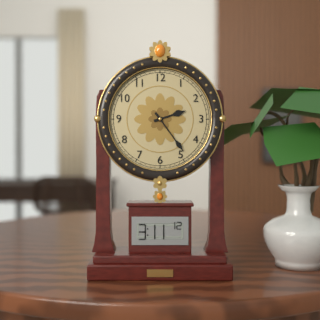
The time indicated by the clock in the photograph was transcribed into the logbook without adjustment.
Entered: 2:24
